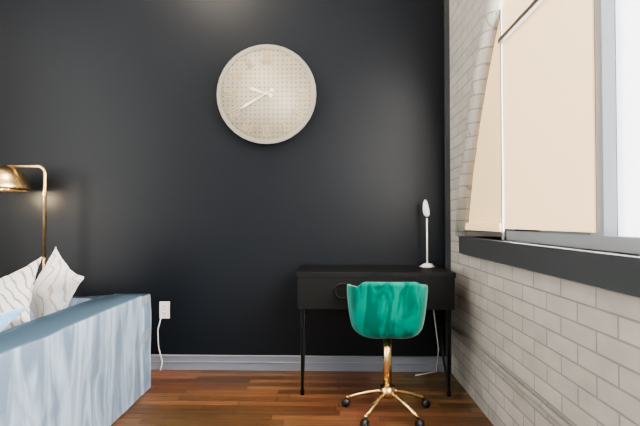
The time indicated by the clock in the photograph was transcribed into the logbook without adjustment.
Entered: 9:40
